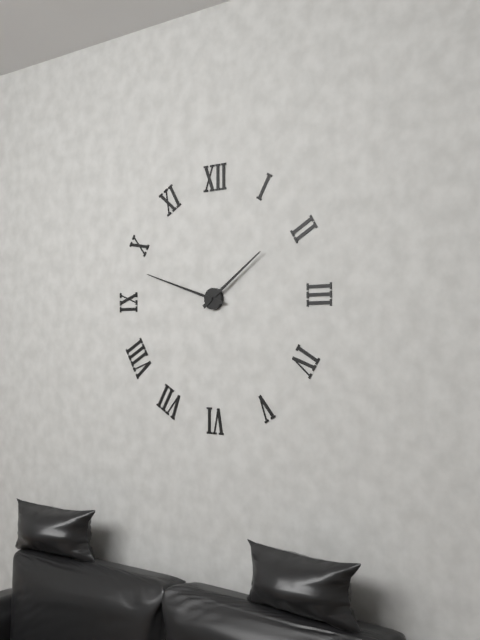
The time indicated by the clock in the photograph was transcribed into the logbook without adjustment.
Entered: 1:48
